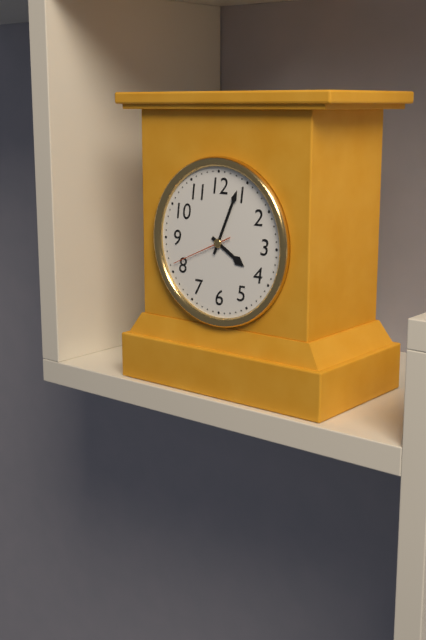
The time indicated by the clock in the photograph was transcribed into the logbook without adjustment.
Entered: 4:04:41
